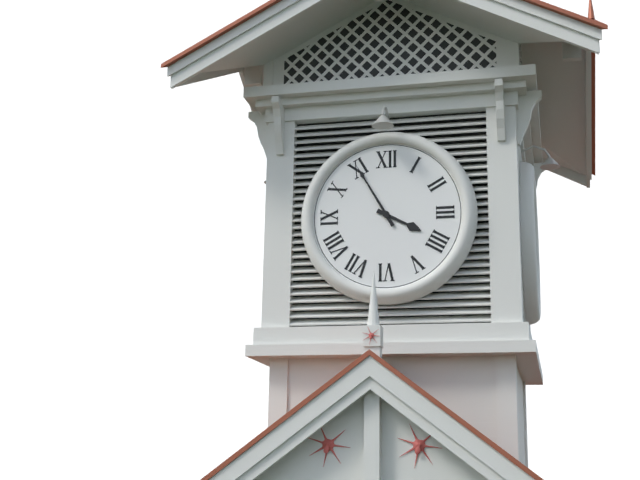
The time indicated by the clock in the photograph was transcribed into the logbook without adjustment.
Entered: 3:55
